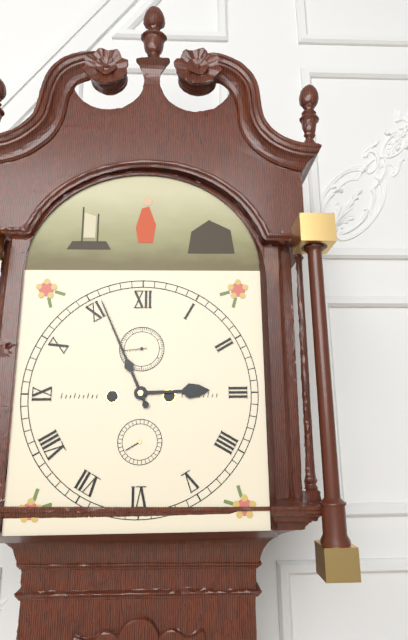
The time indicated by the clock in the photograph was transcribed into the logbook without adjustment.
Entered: 2:56
